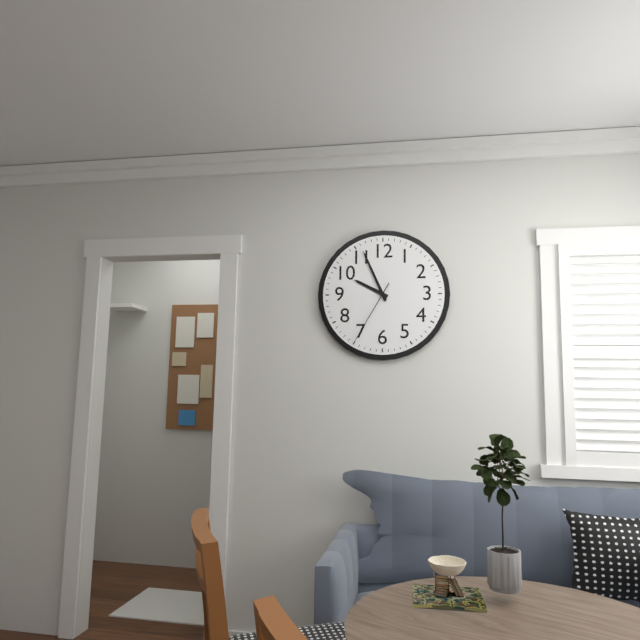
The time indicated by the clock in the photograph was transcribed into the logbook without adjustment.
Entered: 9:56:35
